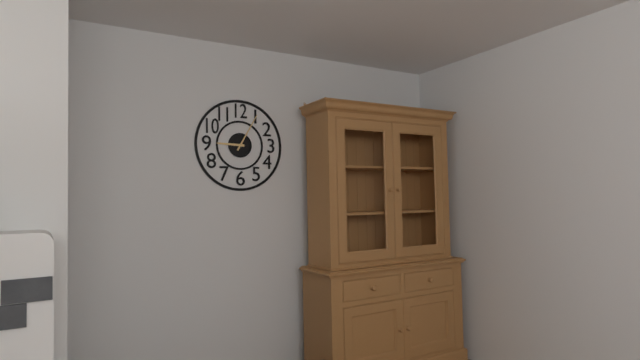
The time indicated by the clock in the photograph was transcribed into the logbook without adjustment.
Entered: 9:05
